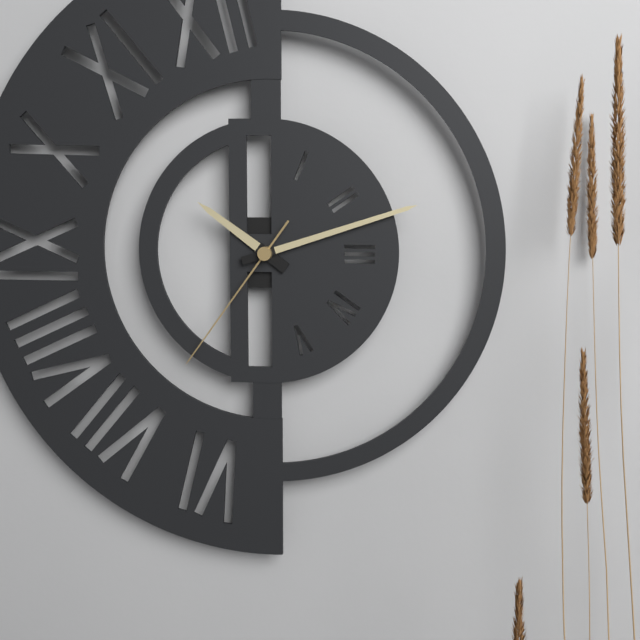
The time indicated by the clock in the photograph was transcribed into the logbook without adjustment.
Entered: 10:12:36
